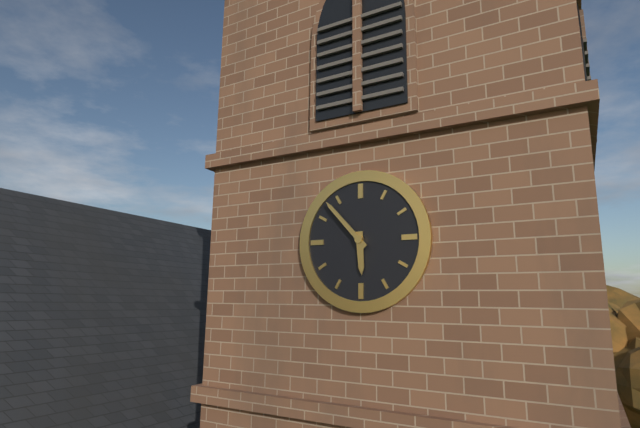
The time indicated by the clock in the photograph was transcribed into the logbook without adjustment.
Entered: 5:53
